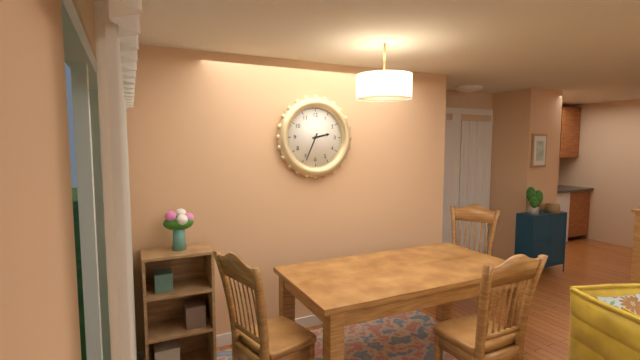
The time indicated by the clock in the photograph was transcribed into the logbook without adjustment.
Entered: 2:34
